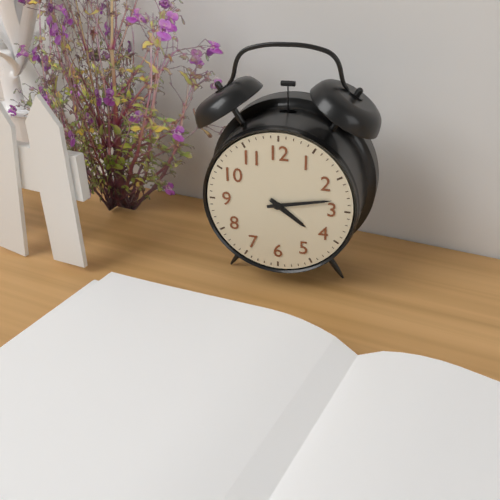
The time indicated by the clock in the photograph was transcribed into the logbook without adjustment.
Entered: 4:13
